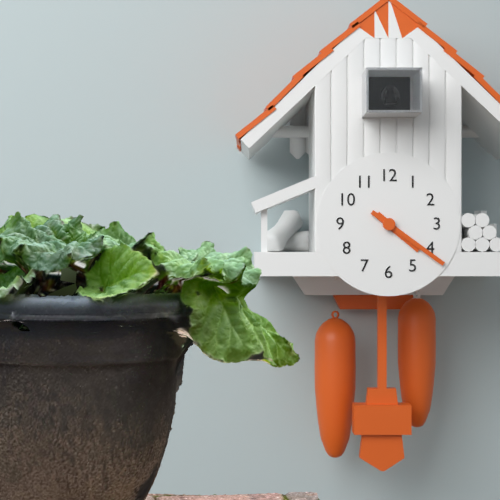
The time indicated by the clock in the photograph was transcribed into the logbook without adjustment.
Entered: 4:21
